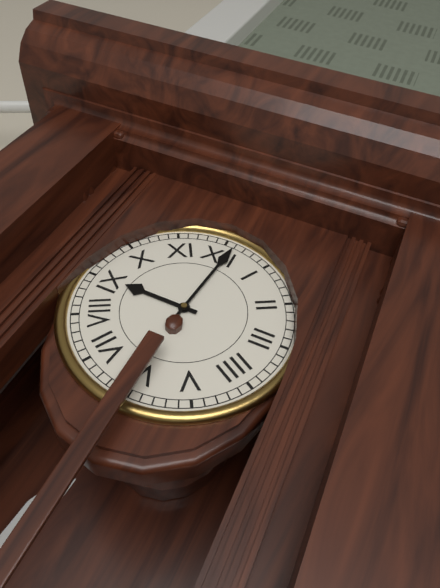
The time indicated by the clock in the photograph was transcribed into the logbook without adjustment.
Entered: 9:01
